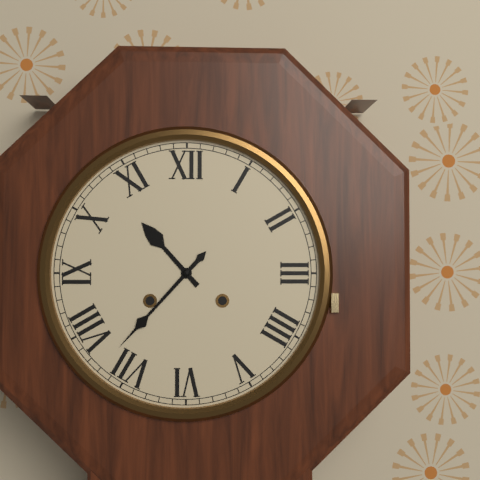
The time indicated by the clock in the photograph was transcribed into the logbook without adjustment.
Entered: 10:37
